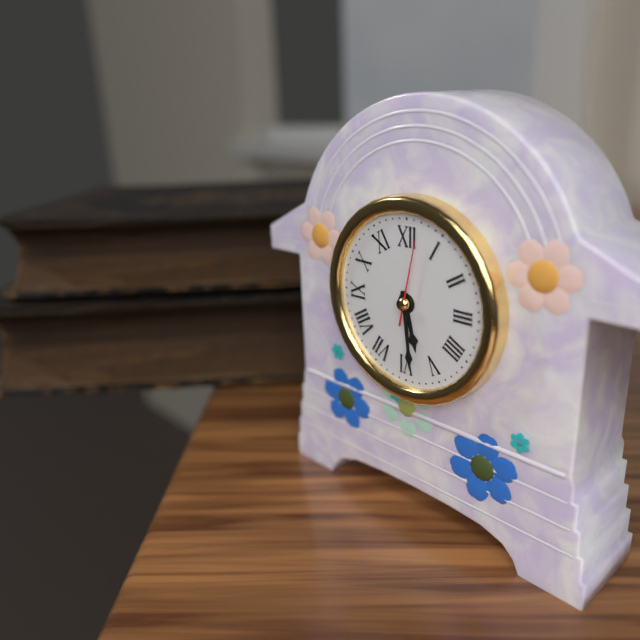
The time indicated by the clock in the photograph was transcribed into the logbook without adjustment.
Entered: 5:29:02
